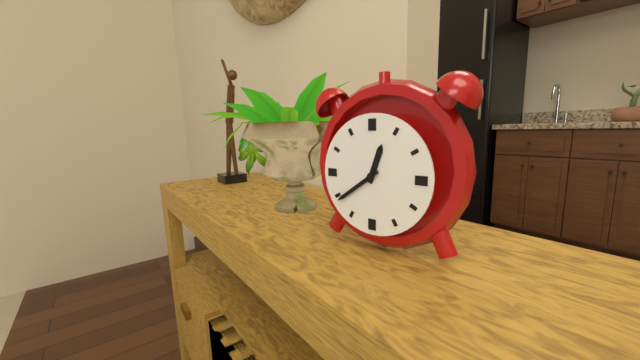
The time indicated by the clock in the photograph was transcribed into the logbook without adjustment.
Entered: 12:39
